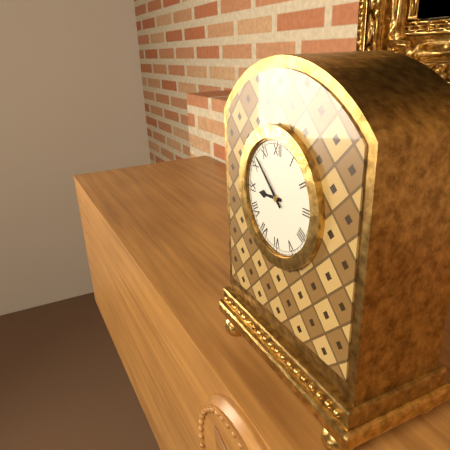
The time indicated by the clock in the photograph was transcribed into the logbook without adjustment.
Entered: 8:52
